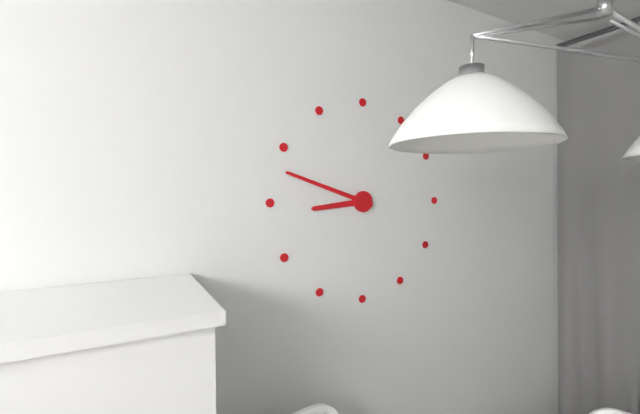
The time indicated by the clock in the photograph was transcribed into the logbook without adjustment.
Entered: 8:48
